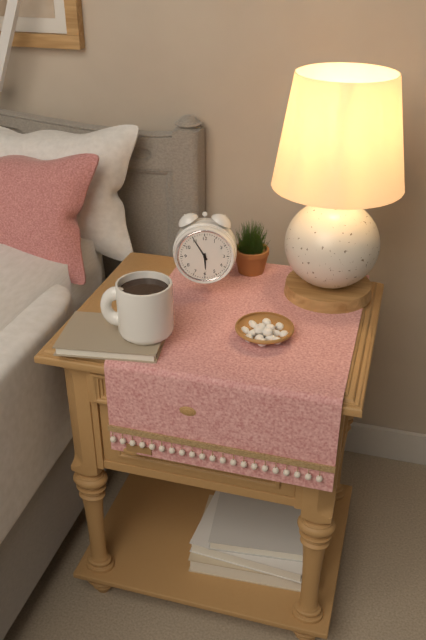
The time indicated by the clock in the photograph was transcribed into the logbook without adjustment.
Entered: 5:55
